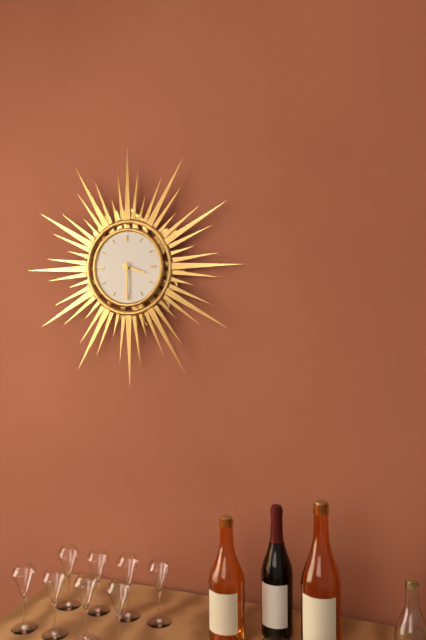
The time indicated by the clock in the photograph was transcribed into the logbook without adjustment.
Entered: 3:30
